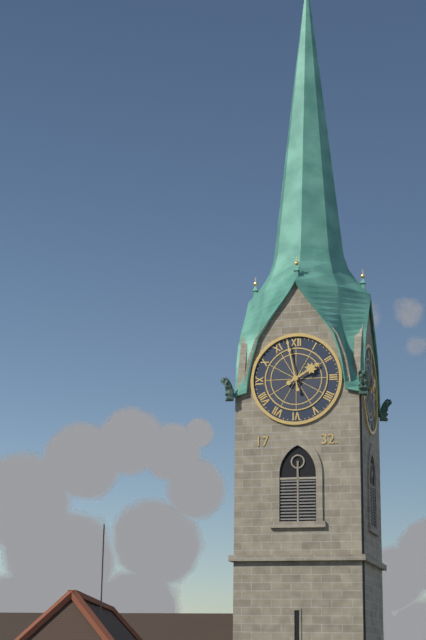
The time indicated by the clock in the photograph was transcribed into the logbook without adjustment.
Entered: 1:58
